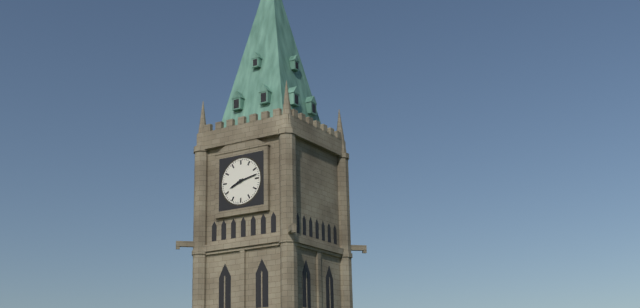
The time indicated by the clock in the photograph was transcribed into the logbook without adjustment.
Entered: 8:13
